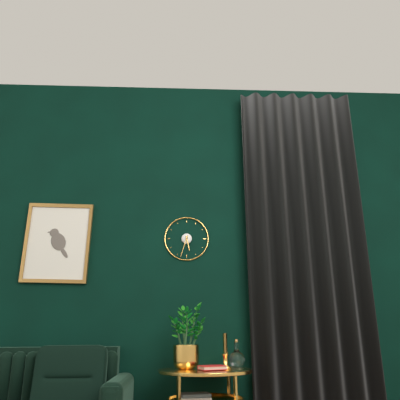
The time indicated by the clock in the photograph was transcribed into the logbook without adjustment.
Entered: 5:33
